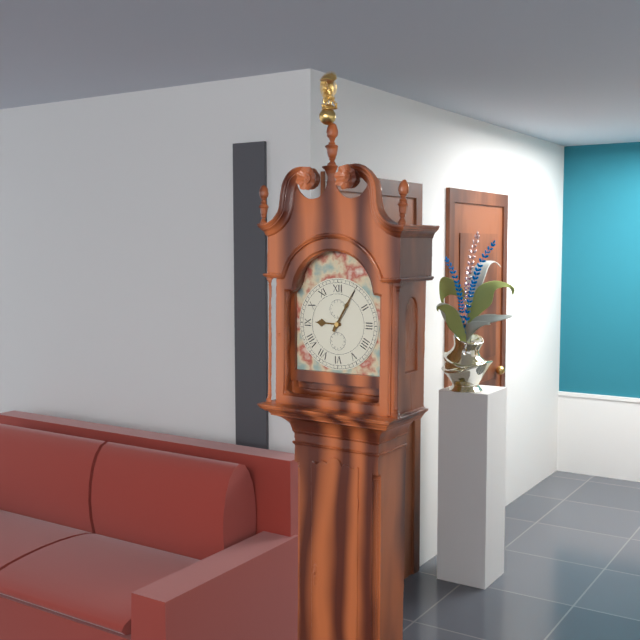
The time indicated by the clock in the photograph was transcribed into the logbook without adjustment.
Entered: 9:05
